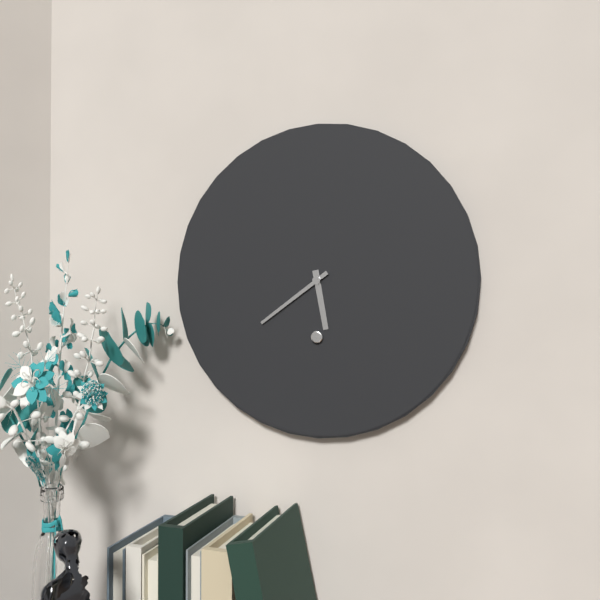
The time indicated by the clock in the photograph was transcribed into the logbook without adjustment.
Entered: 5:39
